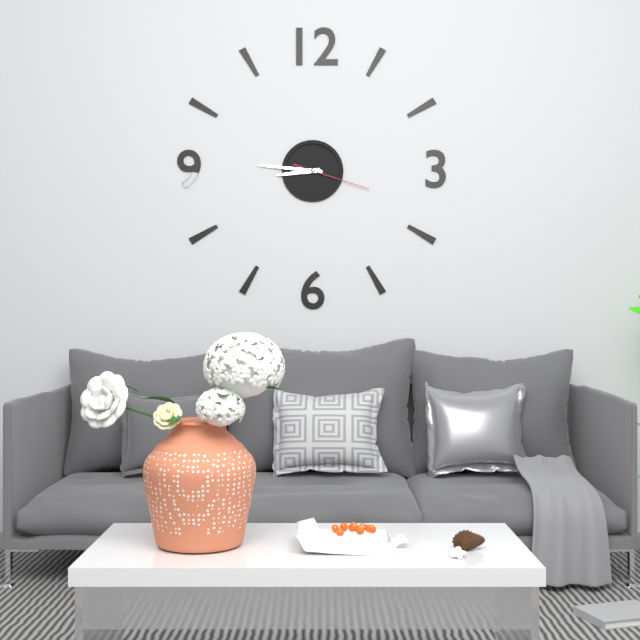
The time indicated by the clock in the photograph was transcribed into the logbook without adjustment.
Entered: 8:46:18
